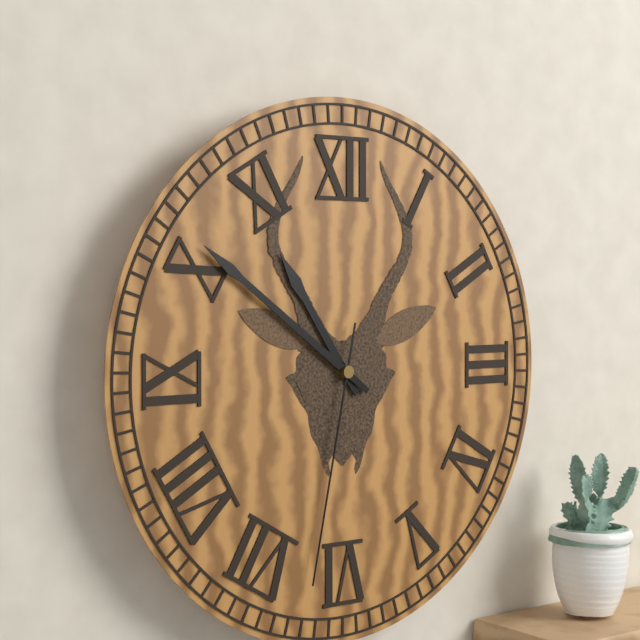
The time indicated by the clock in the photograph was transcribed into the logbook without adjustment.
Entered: 10:51:32
